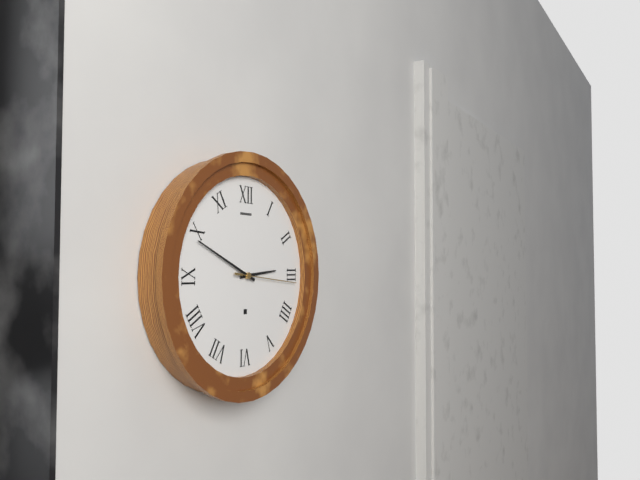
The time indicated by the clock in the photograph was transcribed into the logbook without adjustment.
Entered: 2:49:16
